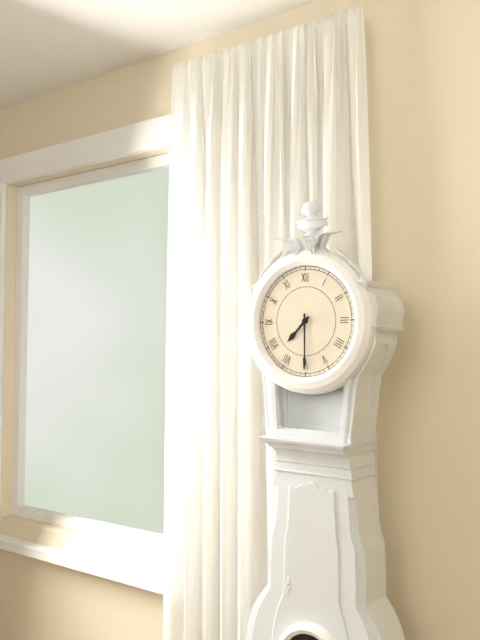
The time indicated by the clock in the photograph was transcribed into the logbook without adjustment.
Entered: 7:30
